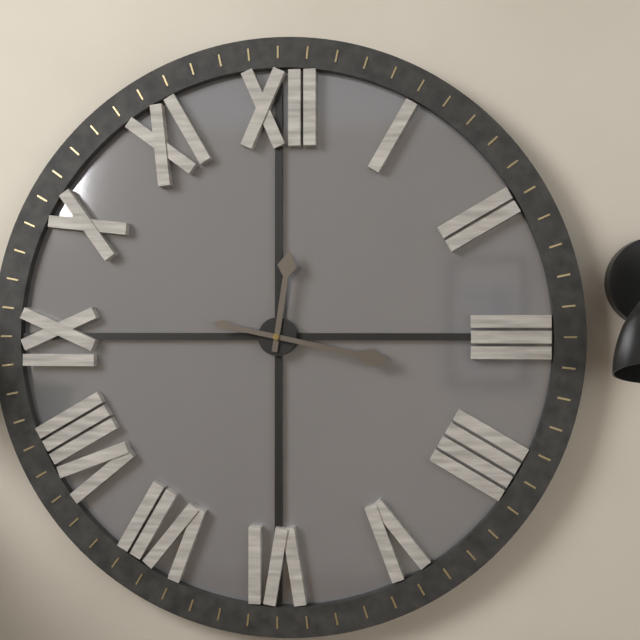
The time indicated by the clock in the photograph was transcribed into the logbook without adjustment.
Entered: 12:17
